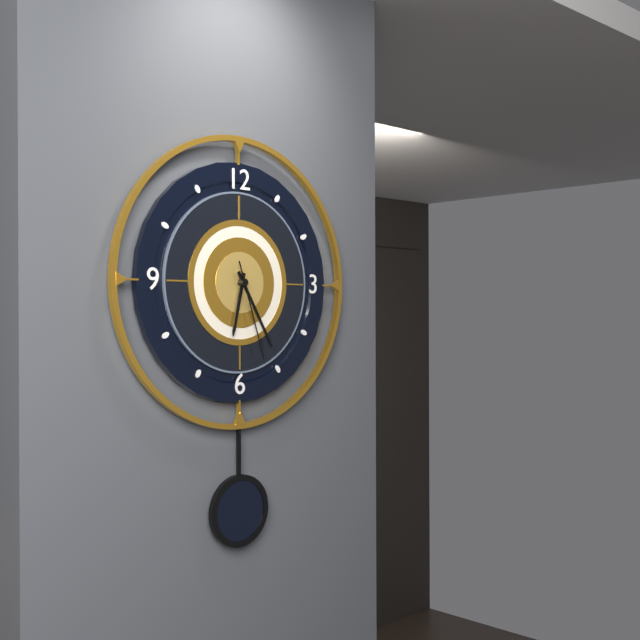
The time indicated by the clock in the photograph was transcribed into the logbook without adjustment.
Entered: 6:25:27
